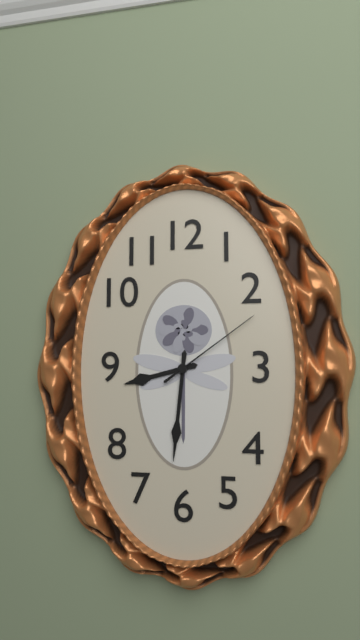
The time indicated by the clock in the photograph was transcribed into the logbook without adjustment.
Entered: 8:31:09
